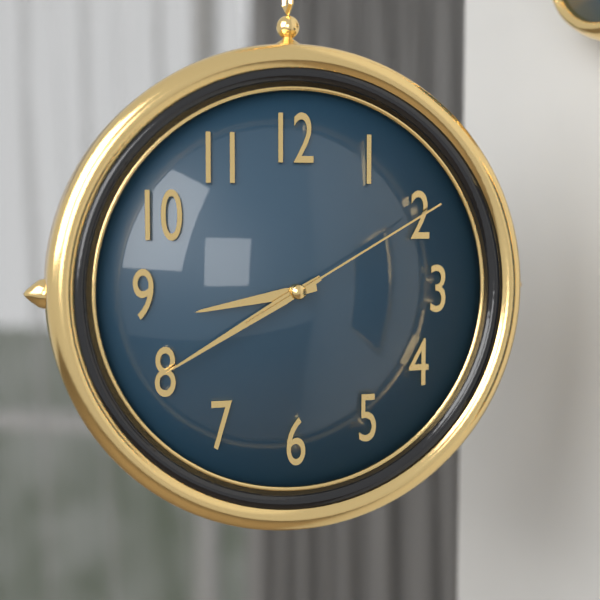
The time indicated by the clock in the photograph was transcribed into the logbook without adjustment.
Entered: 8:40:10
